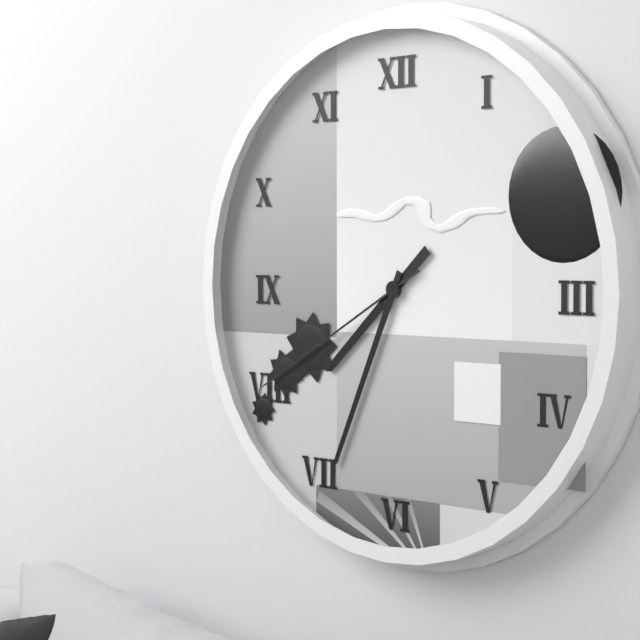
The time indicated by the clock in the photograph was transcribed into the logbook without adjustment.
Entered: 7:34:40
